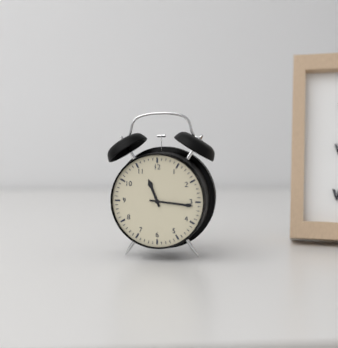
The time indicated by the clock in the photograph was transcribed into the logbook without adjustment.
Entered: 11:16
